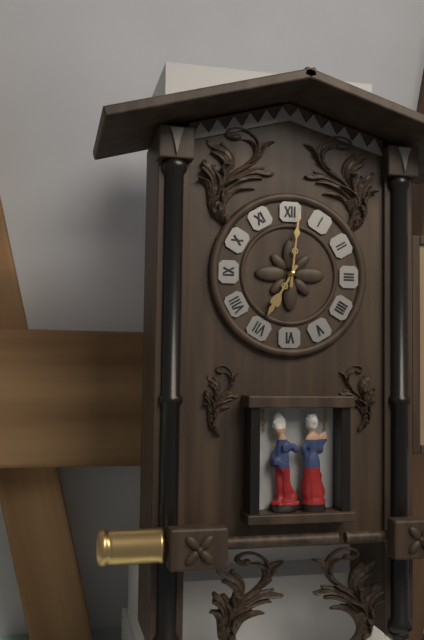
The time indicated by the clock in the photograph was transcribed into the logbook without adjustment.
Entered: 7:01
